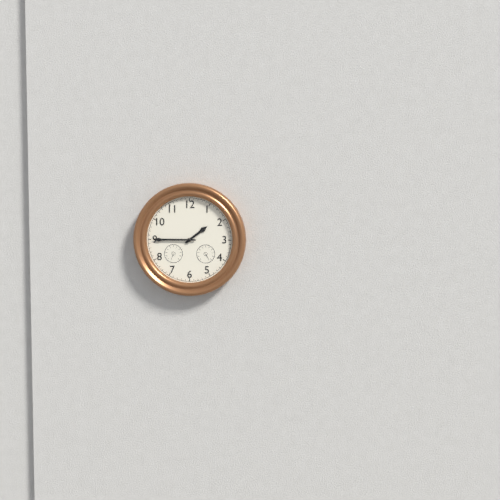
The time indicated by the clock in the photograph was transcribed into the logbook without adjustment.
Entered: 1:45
